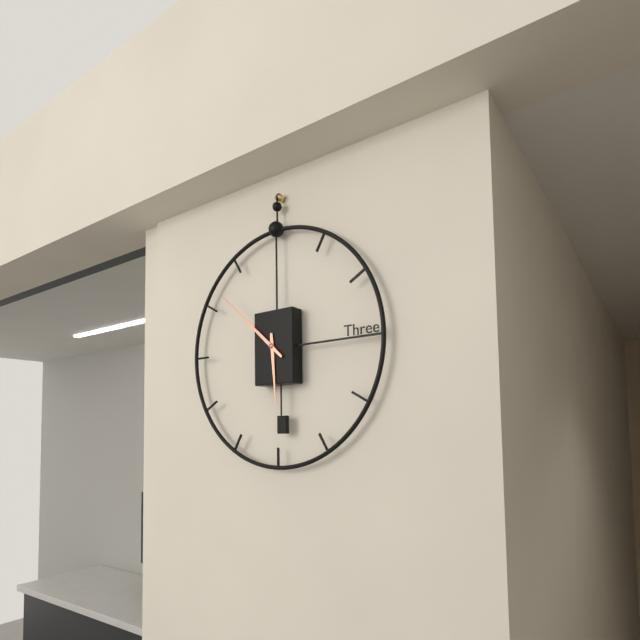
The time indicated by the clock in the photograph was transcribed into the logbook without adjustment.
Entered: 5:52
